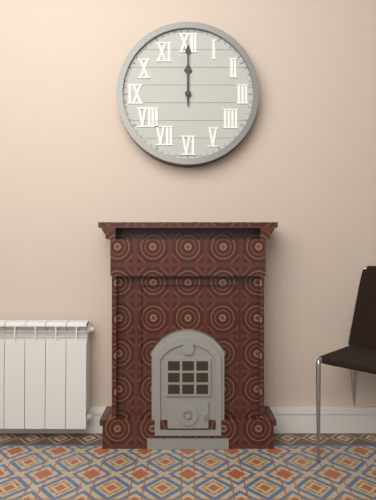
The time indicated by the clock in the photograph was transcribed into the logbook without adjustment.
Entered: 12:00
